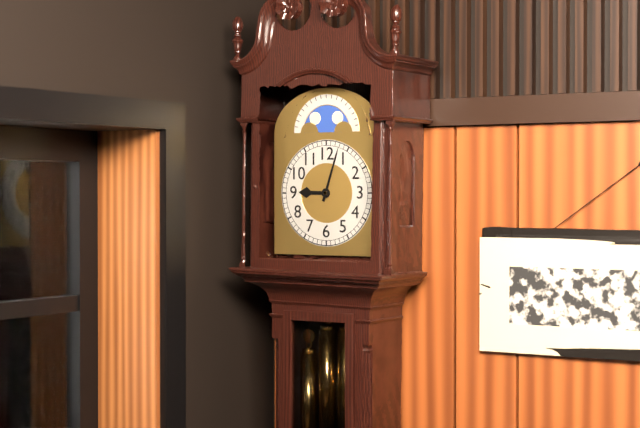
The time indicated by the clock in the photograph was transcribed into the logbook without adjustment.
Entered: 9:03
